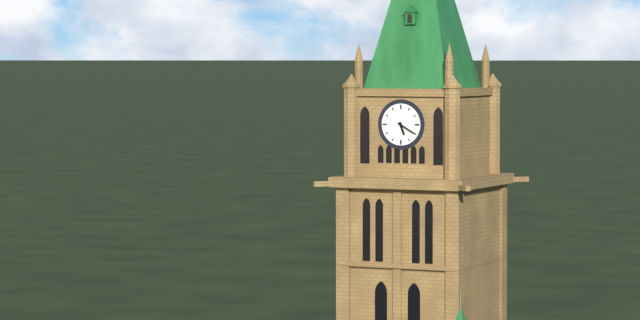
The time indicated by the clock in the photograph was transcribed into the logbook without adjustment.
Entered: 5:20
